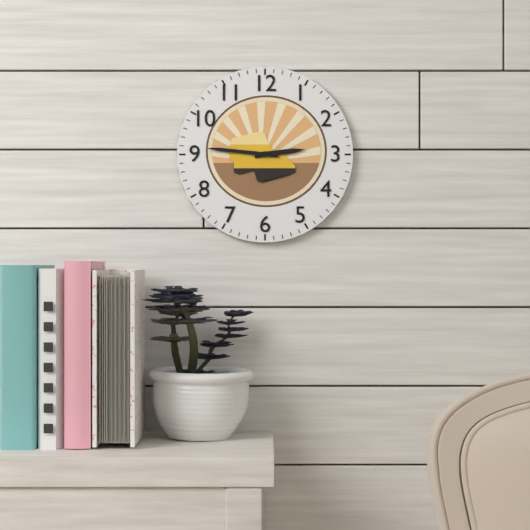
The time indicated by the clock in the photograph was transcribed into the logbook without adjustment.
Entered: 2:46
